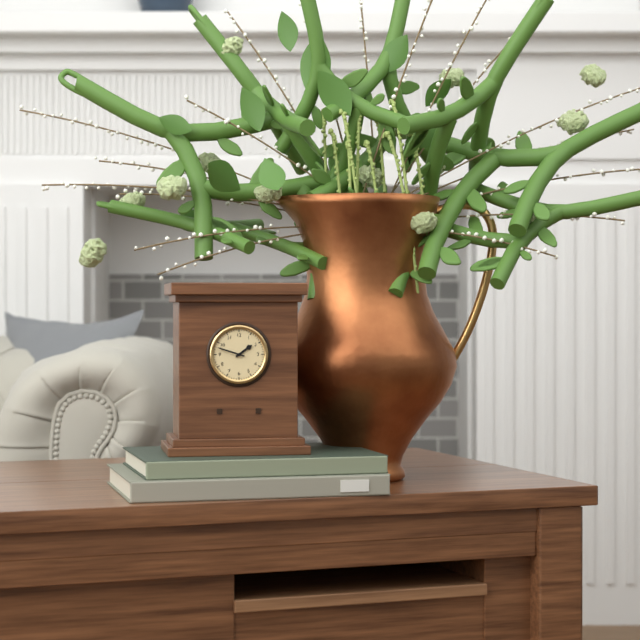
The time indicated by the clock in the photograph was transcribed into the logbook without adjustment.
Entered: 1:48
